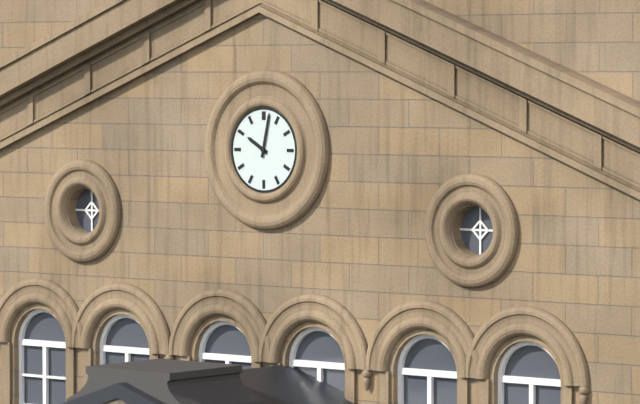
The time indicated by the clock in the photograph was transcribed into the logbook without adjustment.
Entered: 10:02
